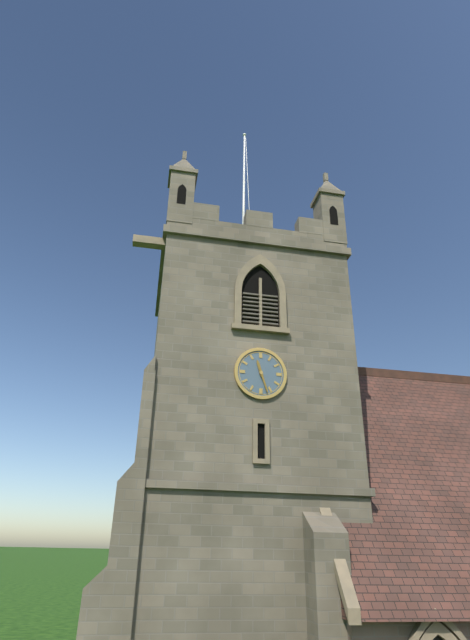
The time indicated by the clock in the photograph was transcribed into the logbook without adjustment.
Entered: 11:27
